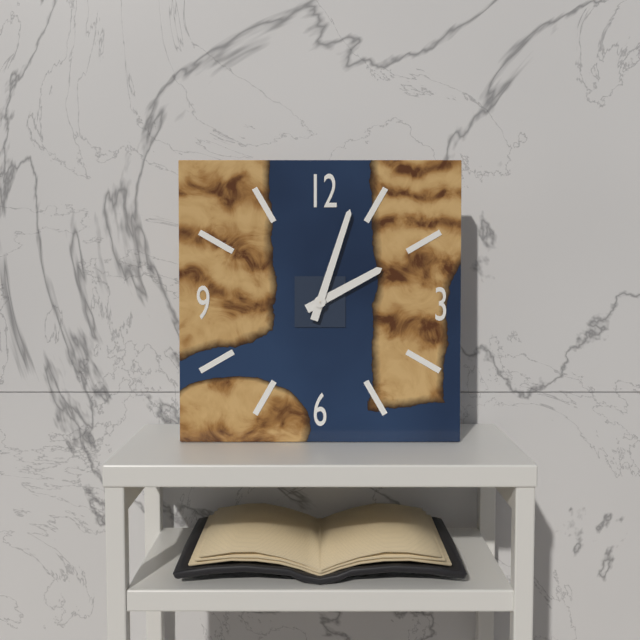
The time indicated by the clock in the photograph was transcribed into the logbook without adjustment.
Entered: 2:03
